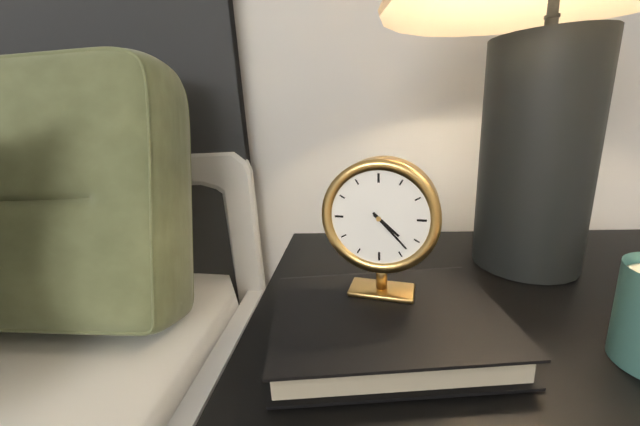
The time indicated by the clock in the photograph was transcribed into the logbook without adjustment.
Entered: 4:23
